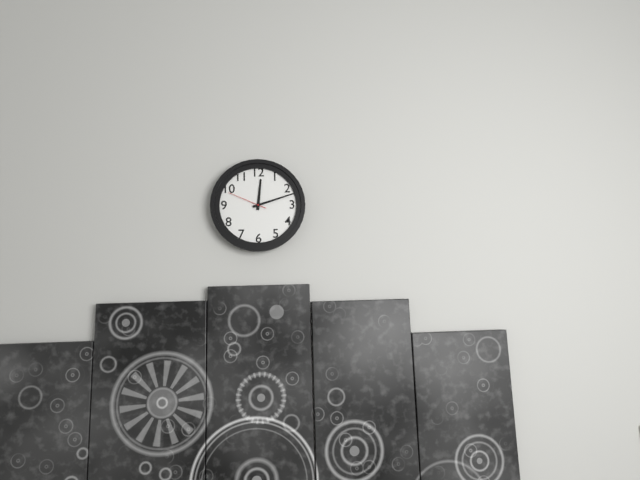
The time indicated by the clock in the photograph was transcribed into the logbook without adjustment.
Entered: 12:12
